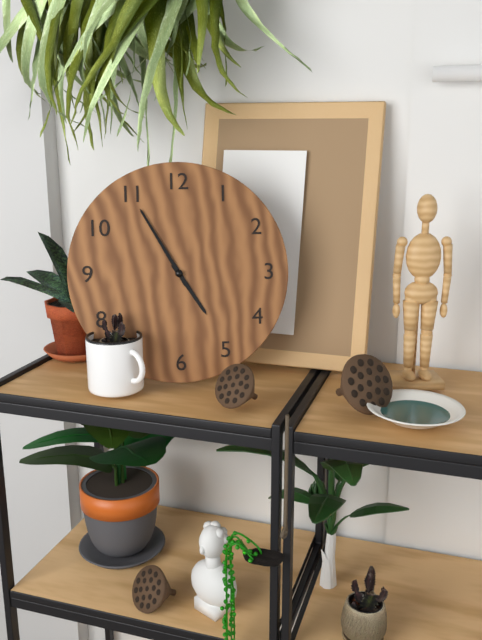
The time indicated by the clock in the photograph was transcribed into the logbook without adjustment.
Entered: 4:55
